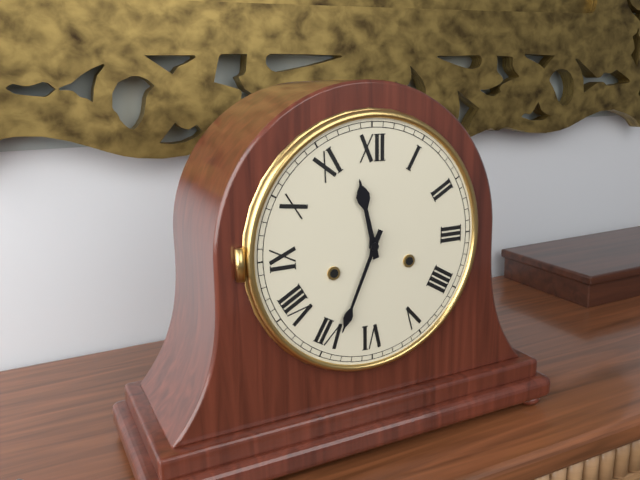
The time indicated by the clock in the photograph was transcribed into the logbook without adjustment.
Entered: 11:34
